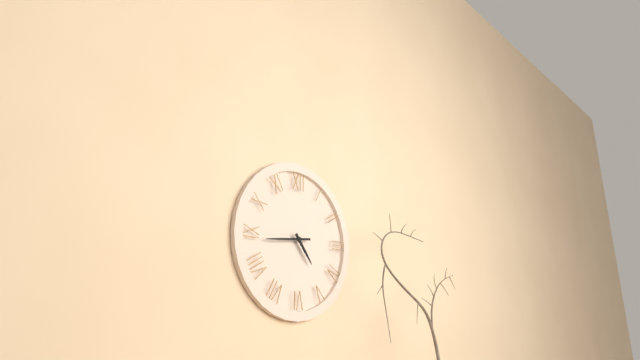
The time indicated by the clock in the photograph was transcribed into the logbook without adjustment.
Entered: 4:44
